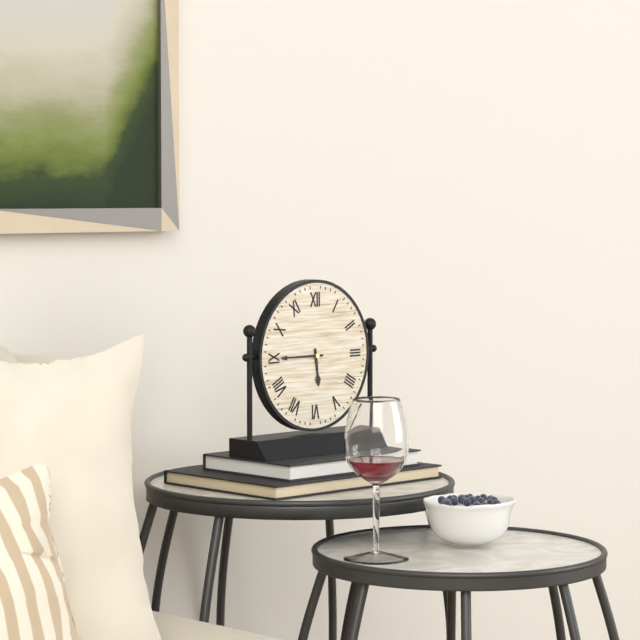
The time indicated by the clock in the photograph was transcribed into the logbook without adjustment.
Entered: 5:45
